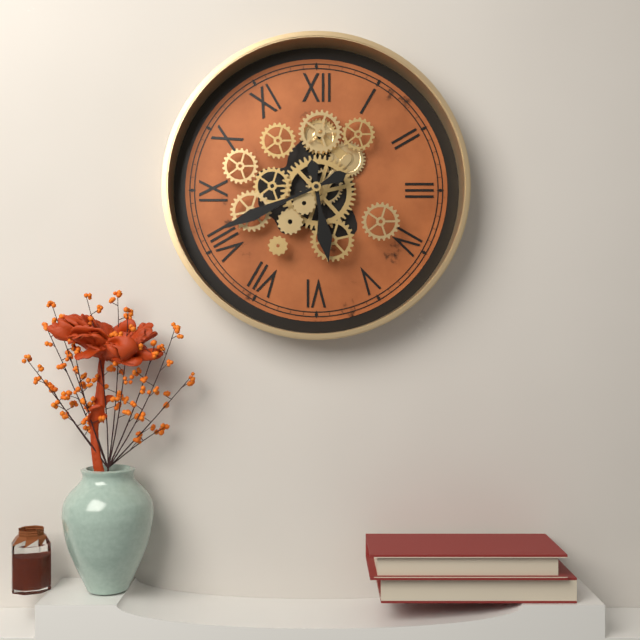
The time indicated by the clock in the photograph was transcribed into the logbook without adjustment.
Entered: 5:41
